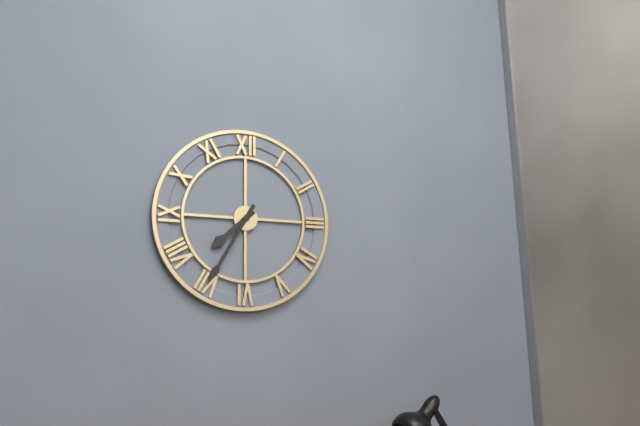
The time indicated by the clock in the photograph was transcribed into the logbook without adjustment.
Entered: 7:35
